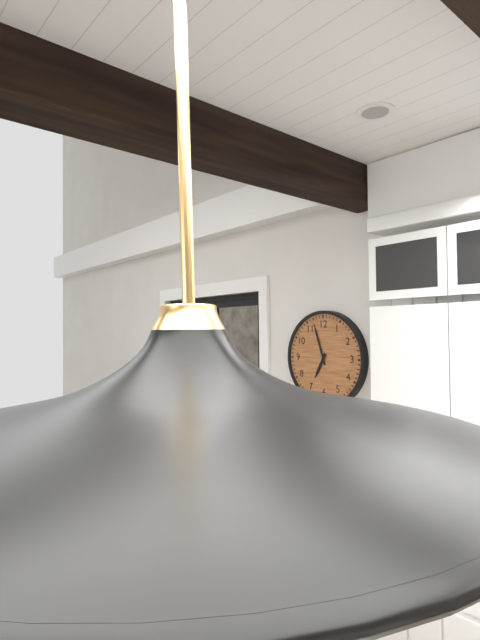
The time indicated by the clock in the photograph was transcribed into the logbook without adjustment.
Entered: 6:57
